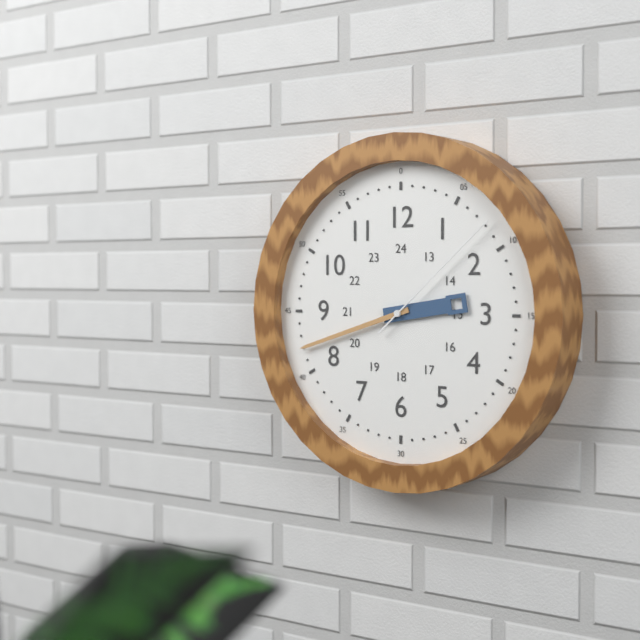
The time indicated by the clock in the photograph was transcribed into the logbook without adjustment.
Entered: 2:42:08
